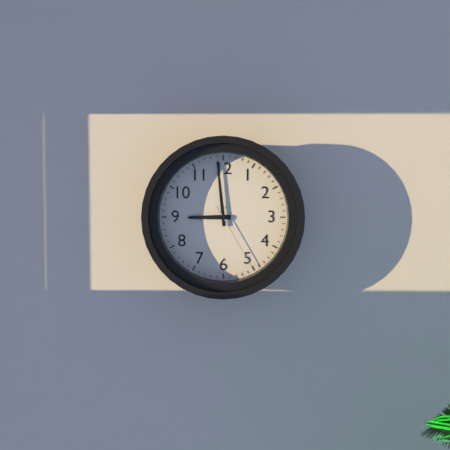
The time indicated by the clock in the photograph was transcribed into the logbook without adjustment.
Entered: 8:59:25
